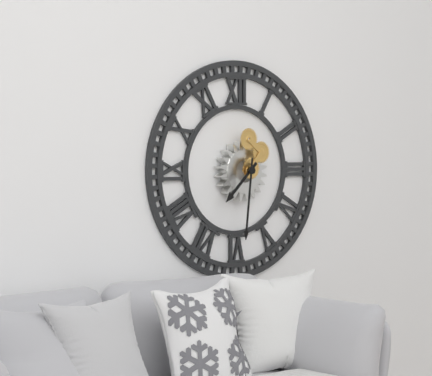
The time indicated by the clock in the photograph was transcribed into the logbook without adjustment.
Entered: 7:31
